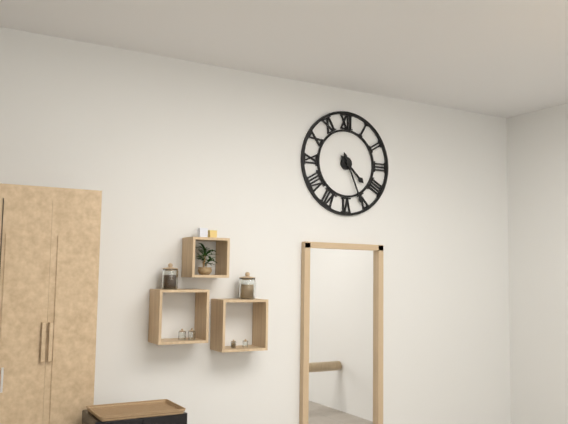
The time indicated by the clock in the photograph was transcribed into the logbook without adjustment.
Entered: 4:26
